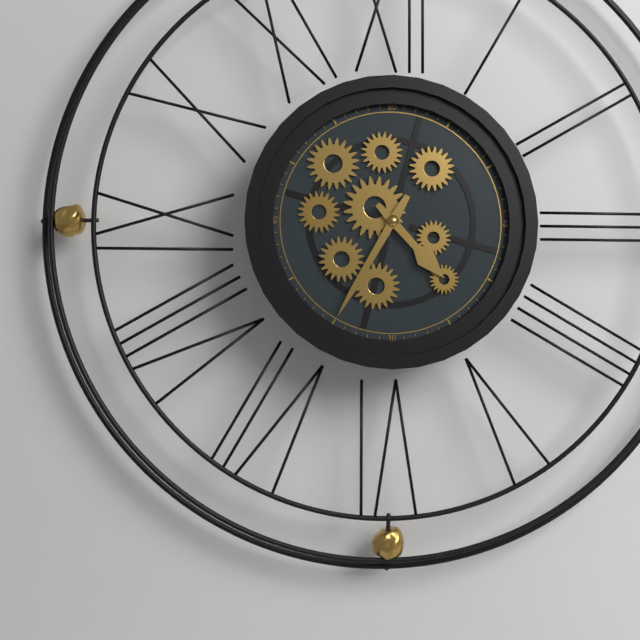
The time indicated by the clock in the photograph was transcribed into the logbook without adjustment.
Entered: 4:35
